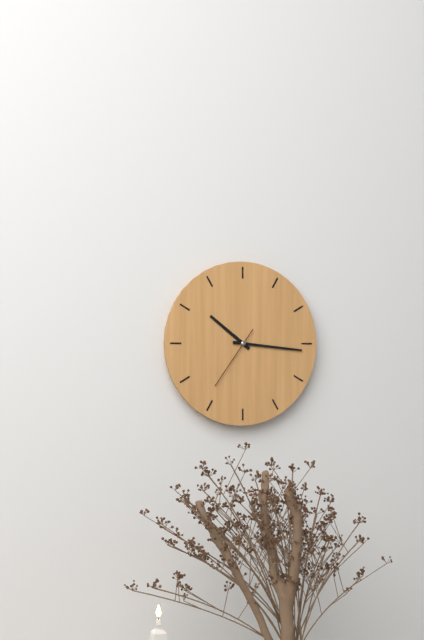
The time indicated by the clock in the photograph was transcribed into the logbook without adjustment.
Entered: 10:16:36
